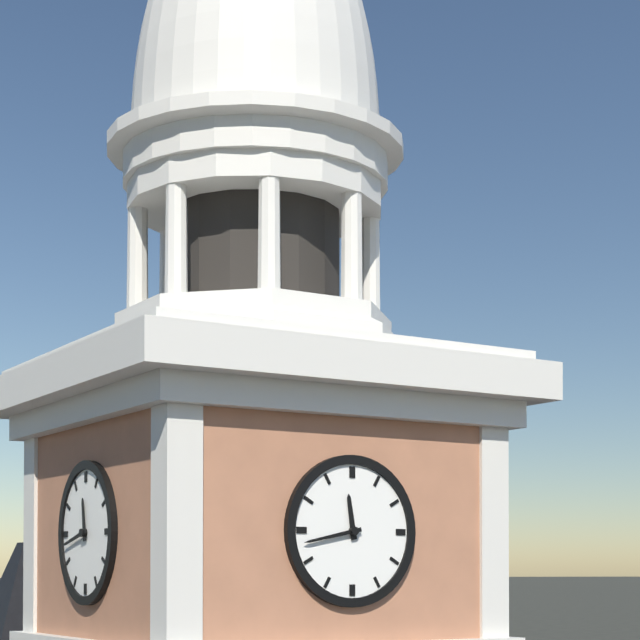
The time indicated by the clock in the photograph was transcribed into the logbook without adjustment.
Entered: 11:43
